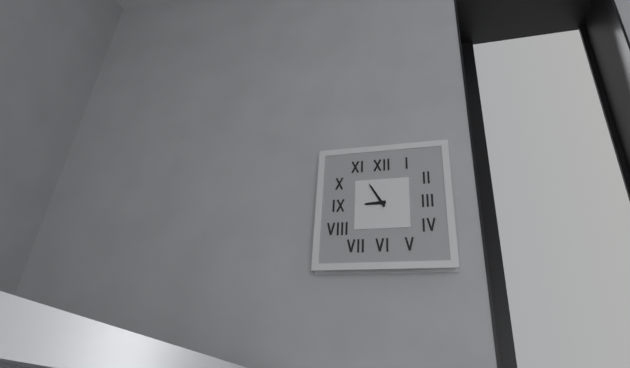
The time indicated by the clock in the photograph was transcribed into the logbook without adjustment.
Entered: 8:55
